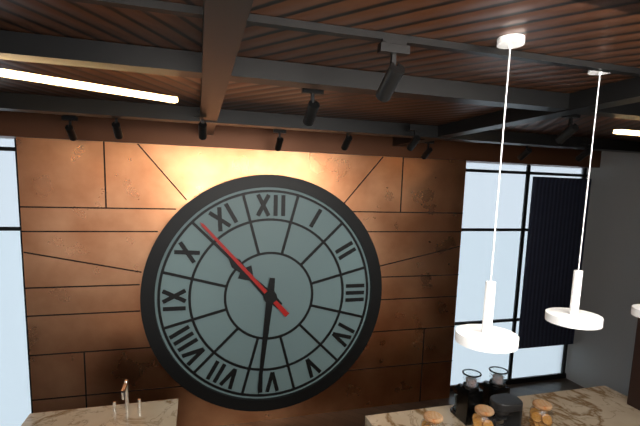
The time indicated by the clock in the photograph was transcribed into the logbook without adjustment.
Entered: 10:31:53
